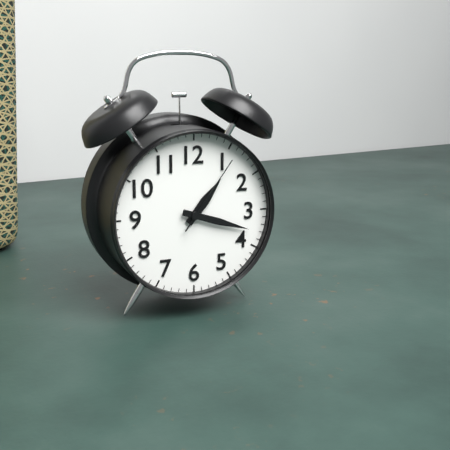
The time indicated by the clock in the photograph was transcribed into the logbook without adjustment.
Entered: 1:18:06
